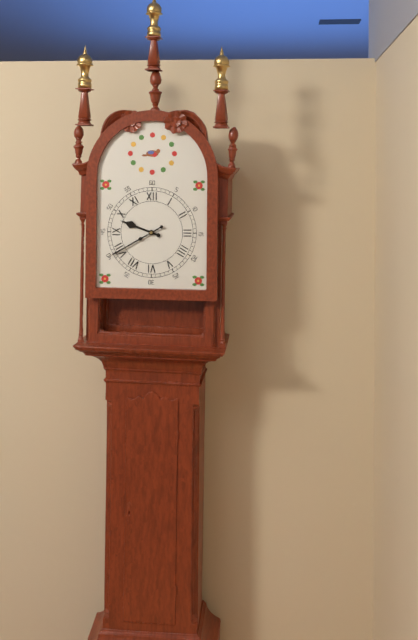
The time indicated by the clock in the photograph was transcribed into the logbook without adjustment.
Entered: 9:40
